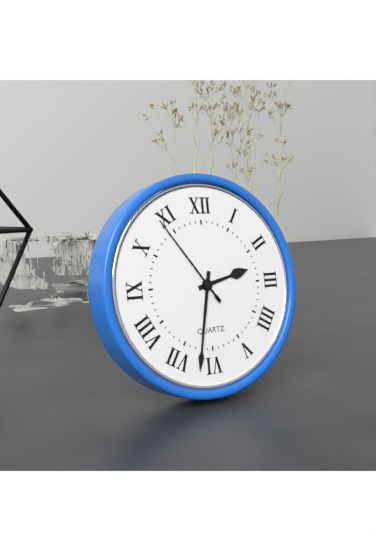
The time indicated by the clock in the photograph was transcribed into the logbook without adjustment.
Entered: 2:32:54
